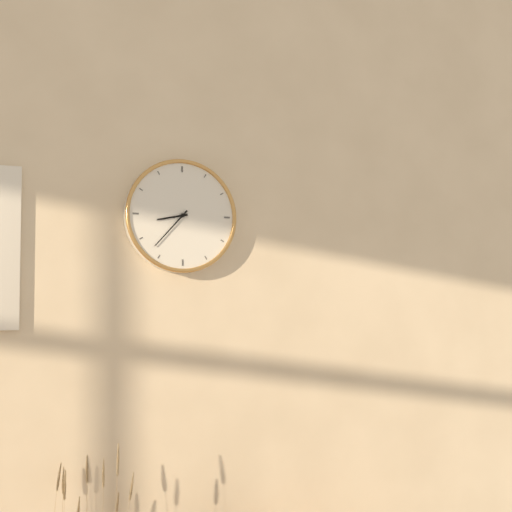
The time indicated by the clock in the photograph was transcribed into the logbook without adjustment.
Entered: 8:37
